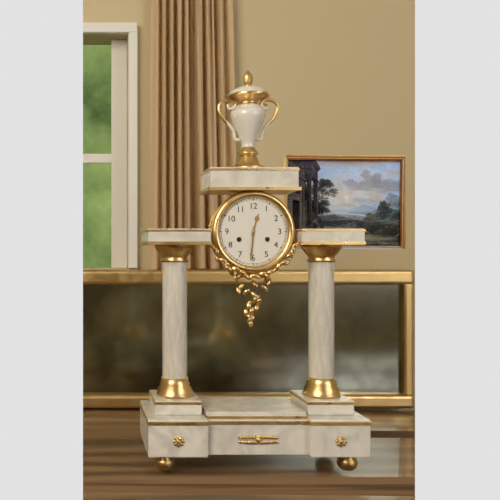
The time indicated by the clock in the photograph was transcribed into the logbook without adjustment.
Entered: 12:31
